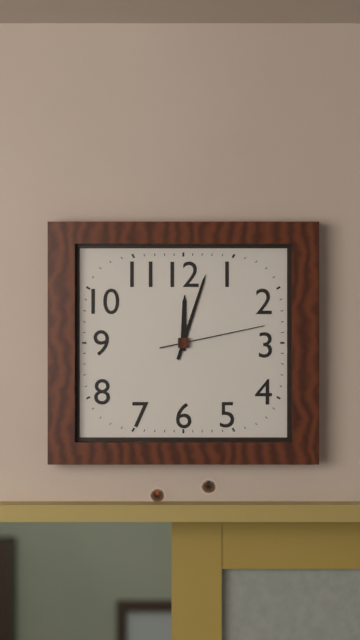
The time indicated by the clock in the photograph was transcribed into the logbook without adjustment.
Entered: 12:03:13
